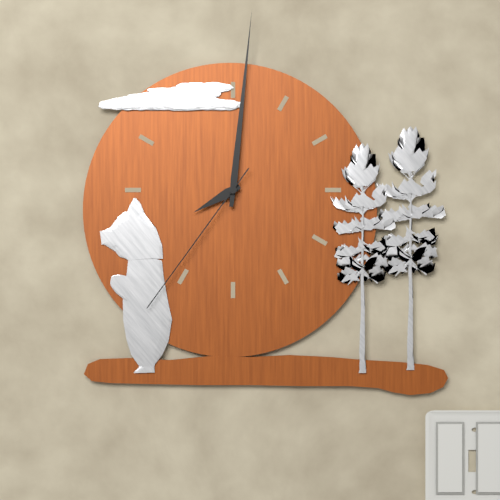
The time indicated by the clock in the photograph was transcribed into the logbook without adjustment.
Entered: 8:01:36
